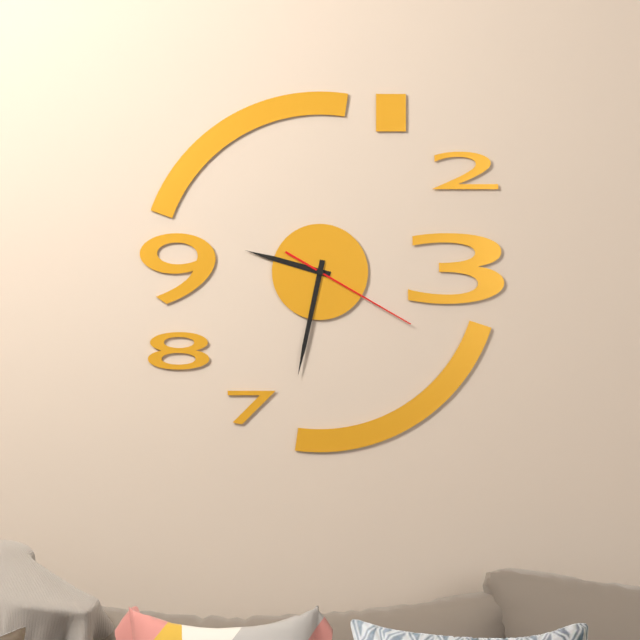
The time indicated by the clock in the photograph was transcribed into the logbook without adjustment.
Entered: 9:32:20
